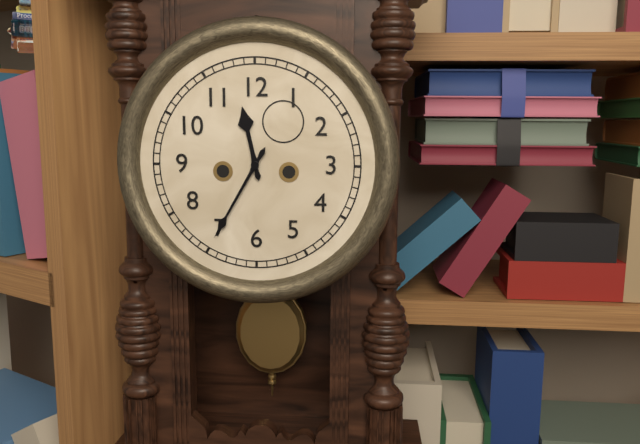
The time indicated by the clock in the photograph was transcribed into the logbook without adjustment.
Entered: 11:35
